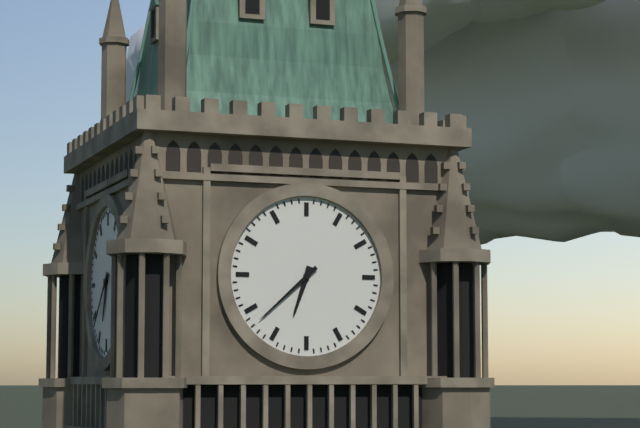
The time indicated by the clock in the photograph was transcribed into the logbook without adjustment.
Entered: 6:38
